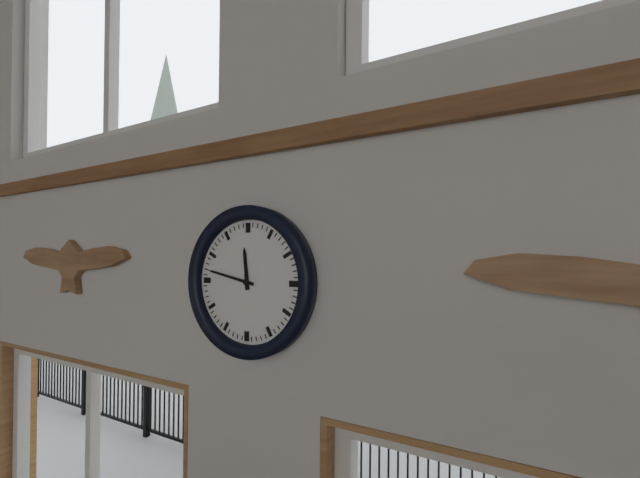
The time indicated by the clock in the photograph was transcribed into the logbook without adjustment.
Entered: 11:47
